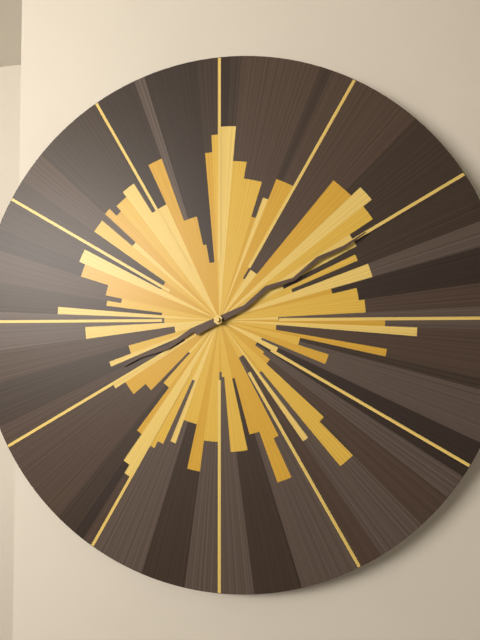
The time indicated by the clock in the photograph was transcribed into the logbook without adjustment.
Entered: 8:10
